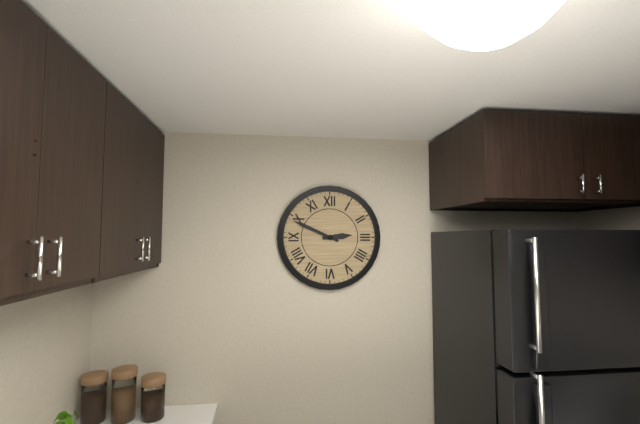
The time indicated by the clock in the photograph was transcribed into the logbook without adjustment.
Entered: 2:49
